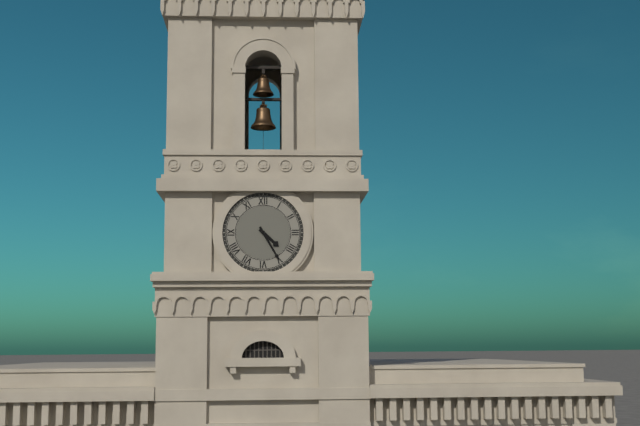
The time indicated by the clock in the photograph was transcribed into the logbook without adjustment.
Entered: 4:25
